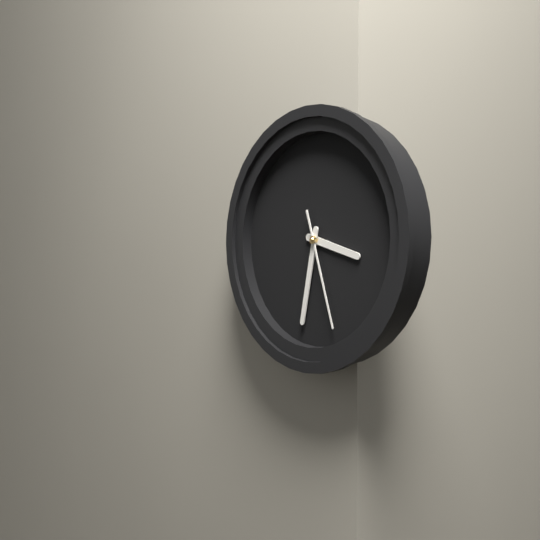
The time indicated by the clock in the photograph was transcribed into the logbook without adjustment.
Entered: 3:32:27
